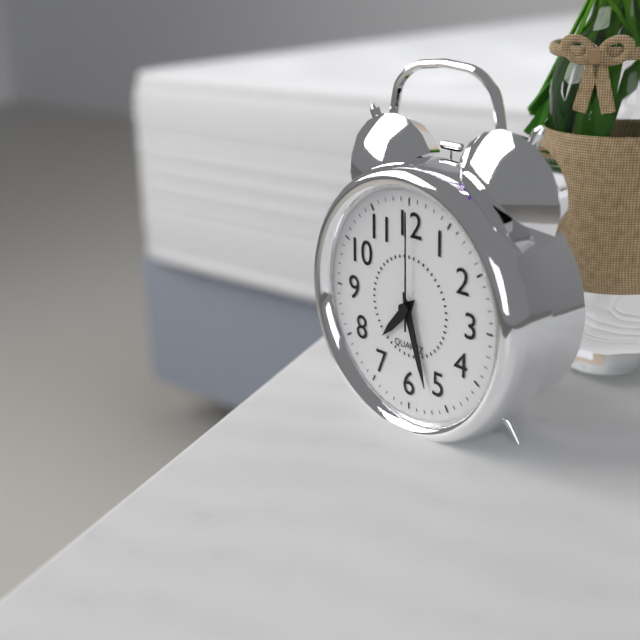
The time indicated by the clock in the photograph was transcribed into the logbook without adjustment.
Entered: 7:27:00
